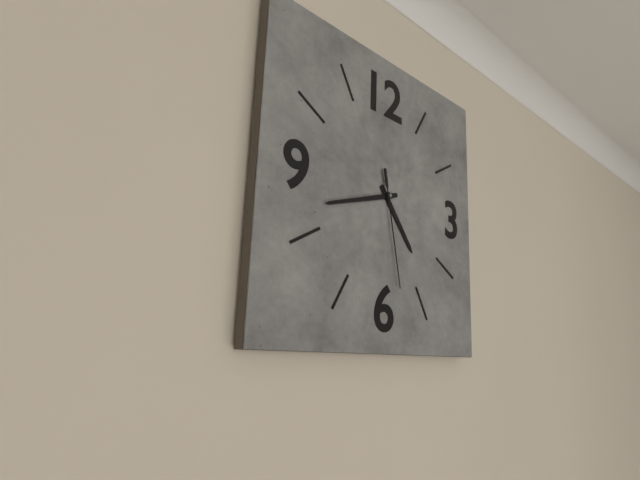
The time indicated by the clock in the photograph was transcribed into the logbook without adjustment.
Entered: 4:42:28
